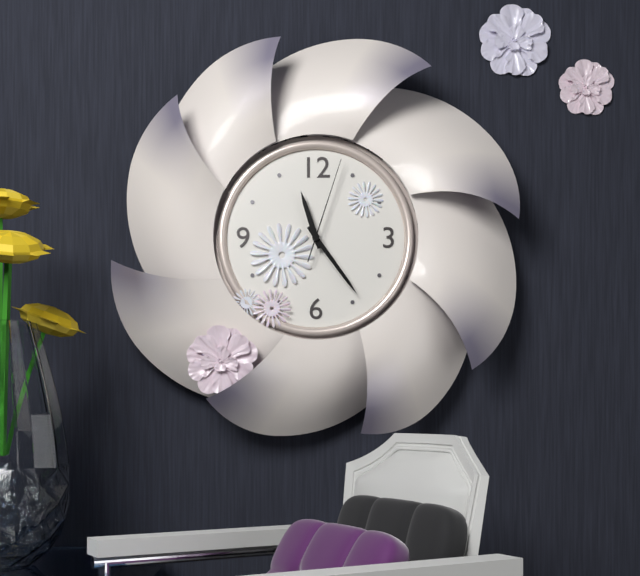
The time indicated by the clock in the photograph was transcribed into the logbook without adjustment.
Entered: 11:24:03
